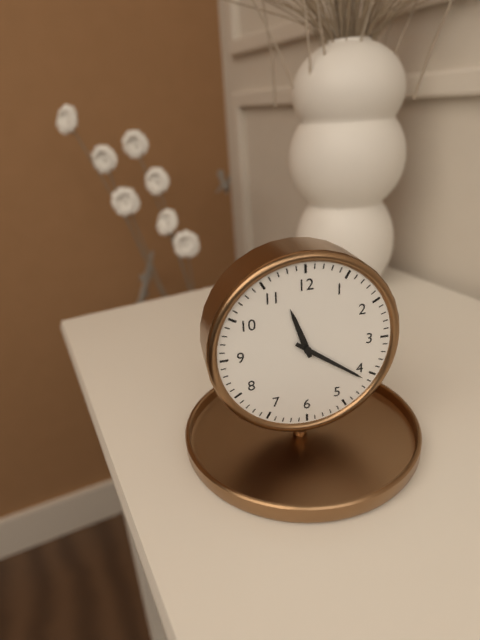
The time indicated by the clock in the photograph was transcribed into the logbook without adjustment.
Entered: 11:21
